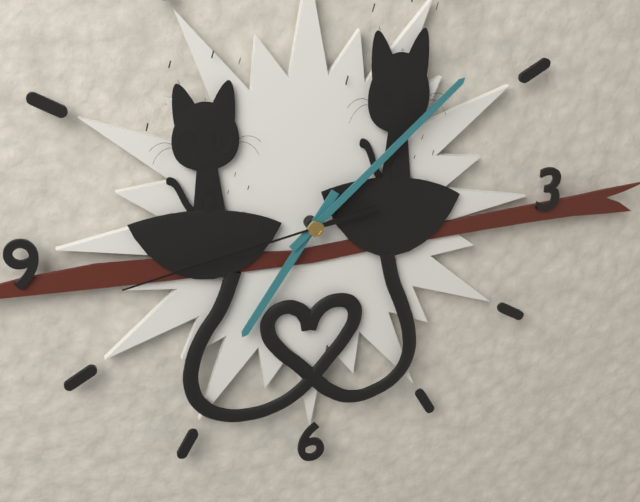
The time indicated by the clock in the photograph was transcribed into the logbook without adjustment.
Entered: 7:08:43
